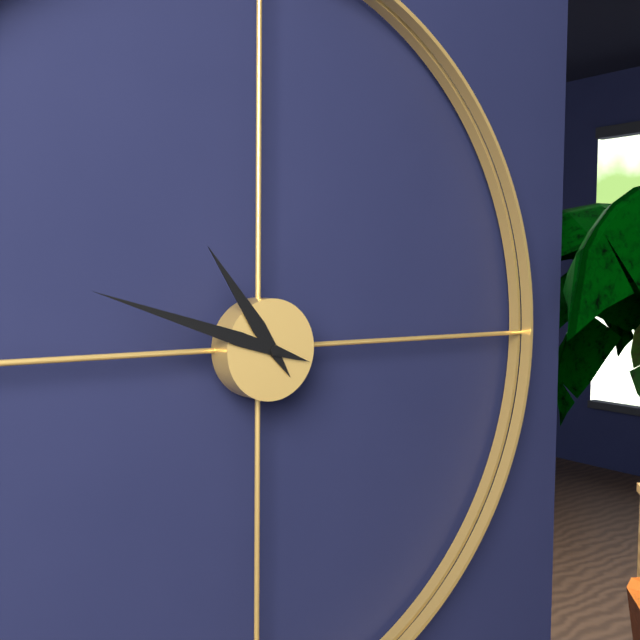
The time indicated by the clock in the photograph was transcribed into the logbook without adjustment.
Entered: 10:48
